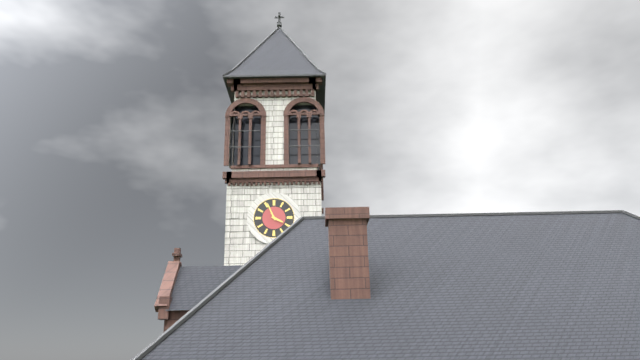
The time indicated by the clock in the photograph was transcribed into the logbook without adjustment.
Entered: 3:56
